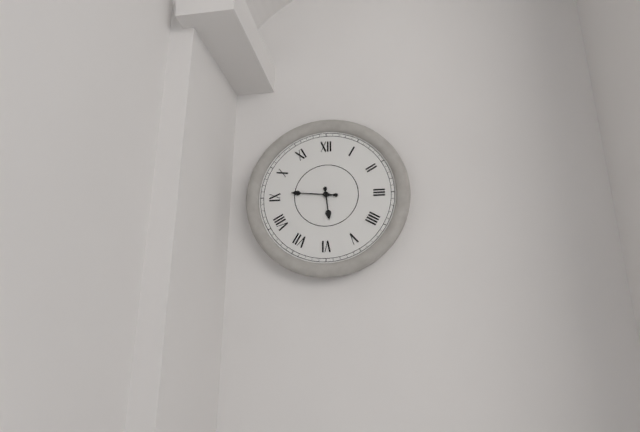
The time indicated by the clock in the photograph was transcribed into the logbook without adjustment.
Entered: 5:46
